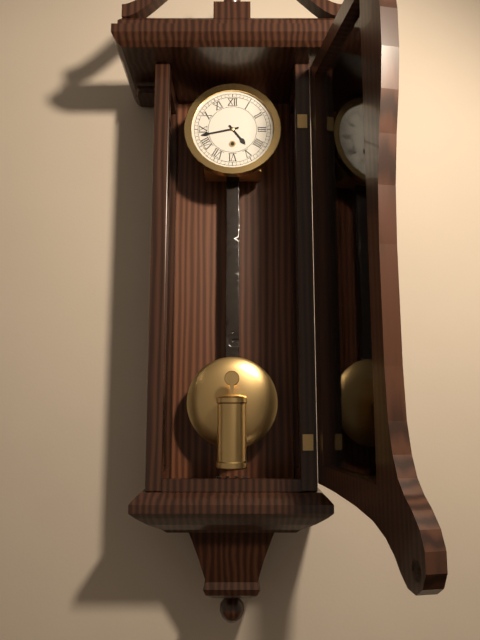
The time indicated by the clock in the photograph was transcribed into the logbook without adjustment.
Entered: 4:43
